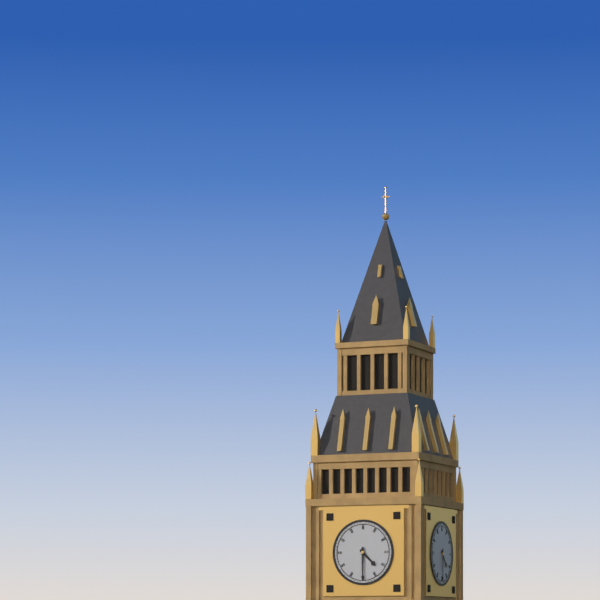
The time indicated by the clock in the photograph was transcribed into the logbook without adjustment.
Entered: 4:30
